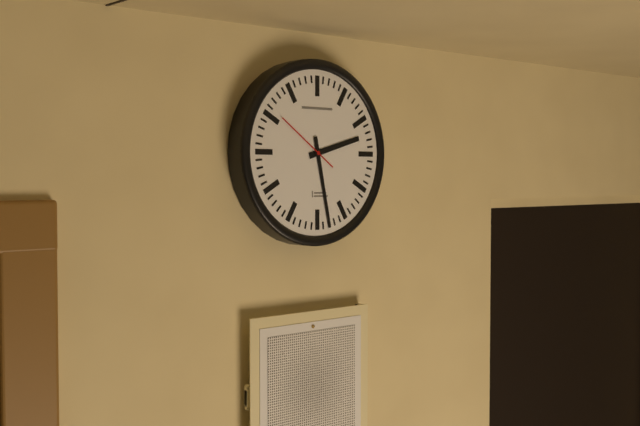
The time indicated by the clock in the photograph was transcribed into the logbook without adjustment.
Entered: 2:28:51
